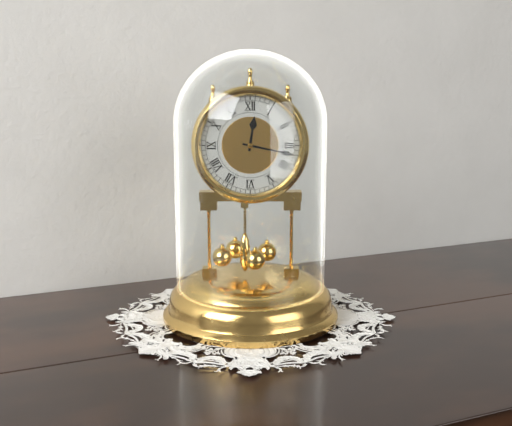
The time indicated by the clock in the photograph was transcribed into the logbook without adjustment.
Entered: 12:17
